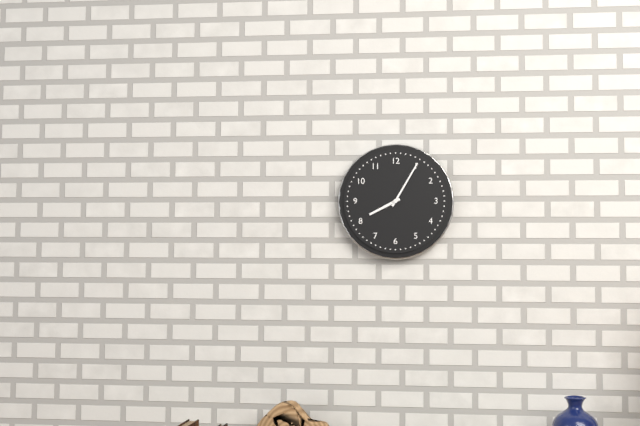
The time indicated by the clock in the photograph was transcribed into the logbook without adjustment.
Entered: 8:05
